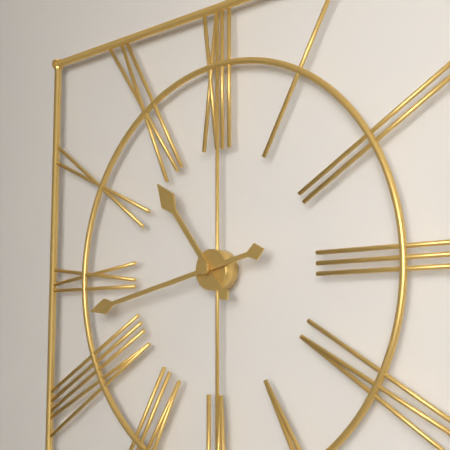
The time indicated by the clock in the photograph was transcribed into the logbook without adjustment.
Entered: 10:43
